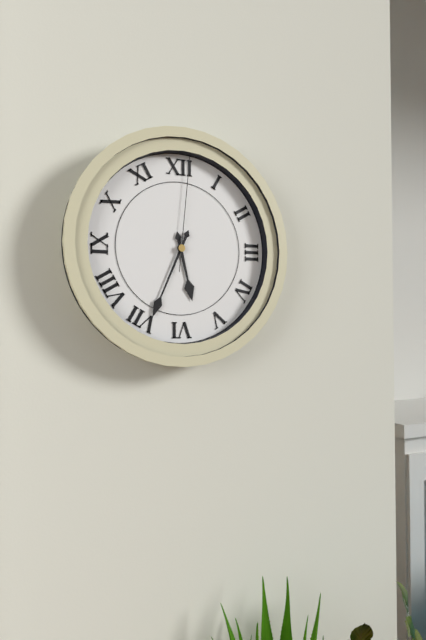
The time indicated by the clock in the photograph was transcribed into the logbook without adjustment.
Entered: 5:34:01
